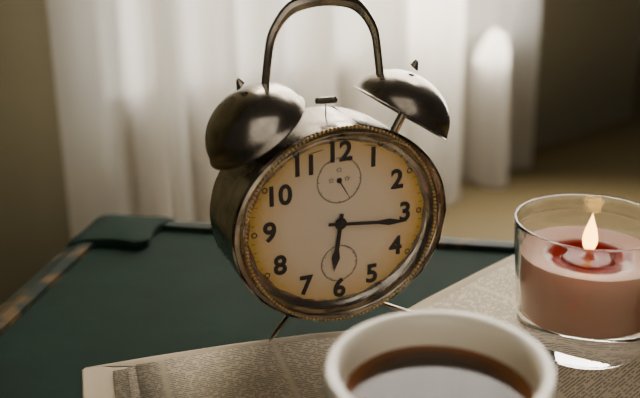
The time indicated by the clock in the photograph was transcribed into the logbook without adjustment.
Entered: 6:16
